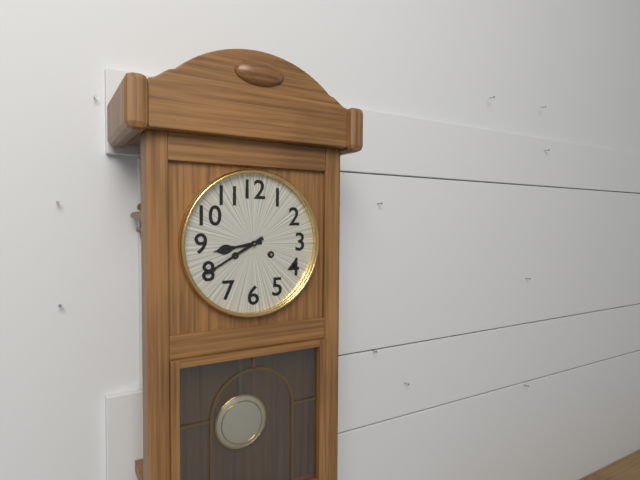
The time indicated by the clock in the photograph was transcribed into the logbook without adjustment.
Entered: 8:40
